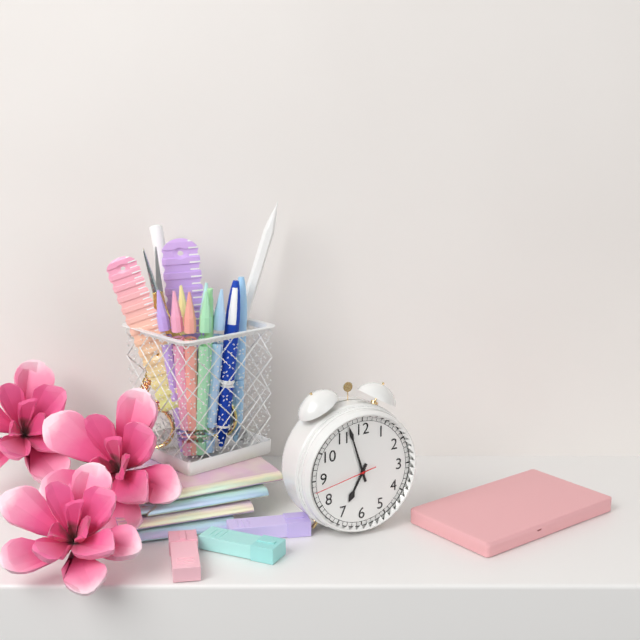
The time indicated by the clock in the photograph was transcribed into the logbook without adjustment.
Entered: 6:57:43
